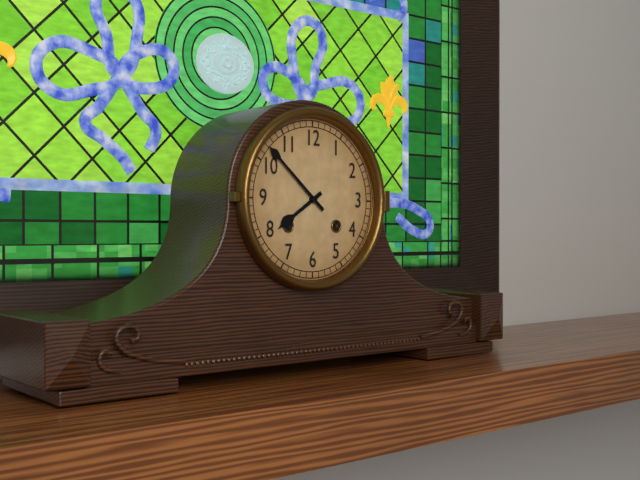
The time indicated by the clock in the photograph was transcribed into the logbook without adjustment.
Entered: 7:52
